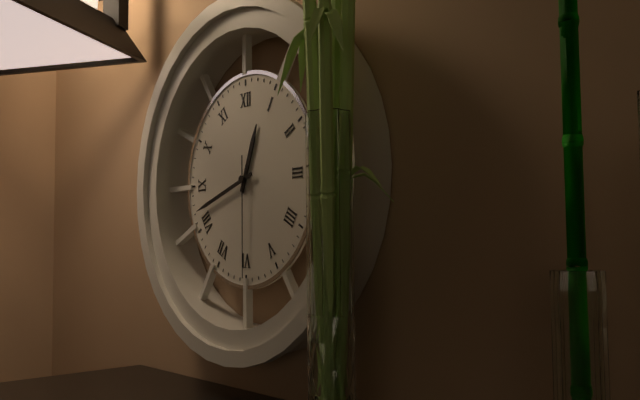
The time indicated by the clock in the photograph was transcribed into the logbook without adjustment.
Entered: 12:42:30
